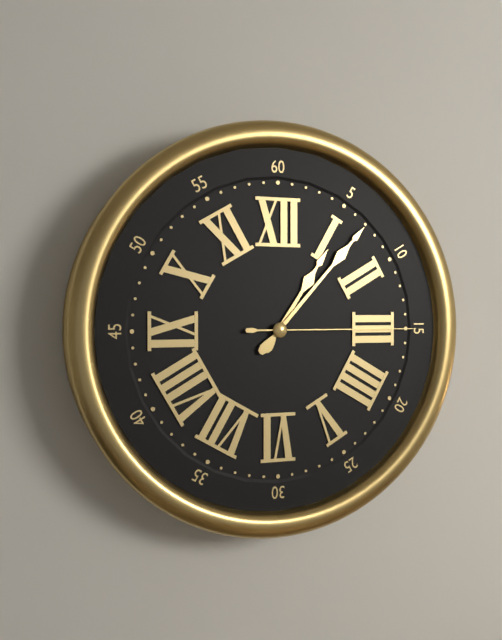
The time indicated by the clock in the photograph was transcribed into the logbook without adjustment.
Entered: 1:07:15
